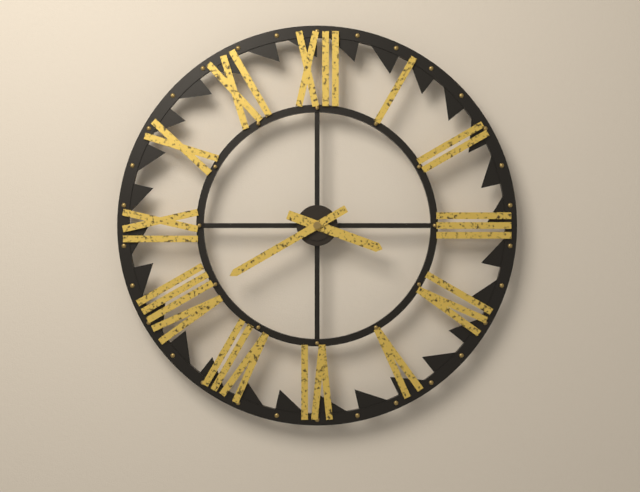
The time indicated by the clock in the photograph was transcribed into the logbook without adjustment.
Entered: 3:40
